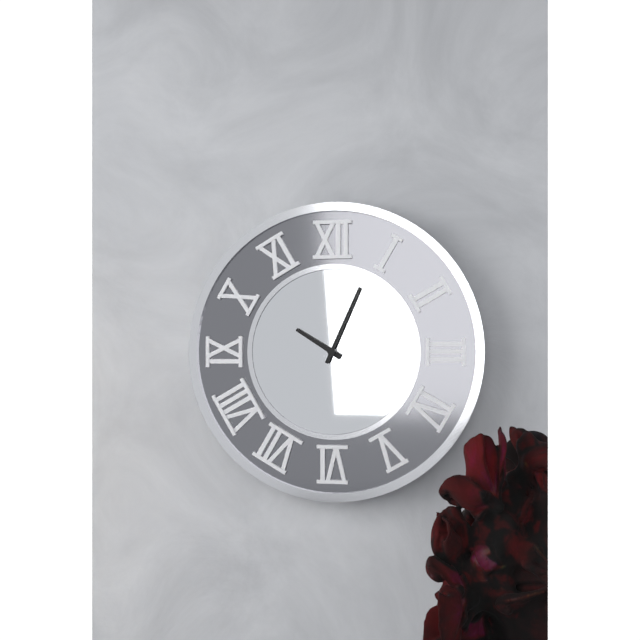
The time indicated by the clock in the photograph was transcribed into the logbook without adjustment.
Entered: 10:04
